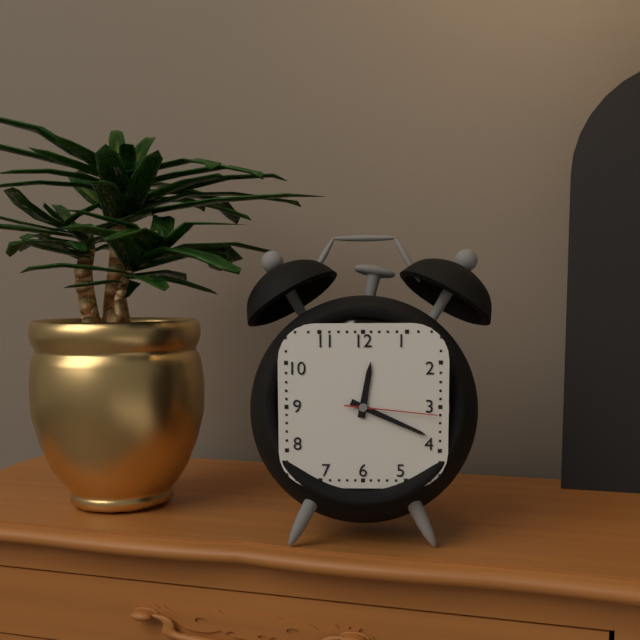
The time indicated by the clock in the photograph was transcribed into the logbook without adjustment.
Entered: 12:19:16
